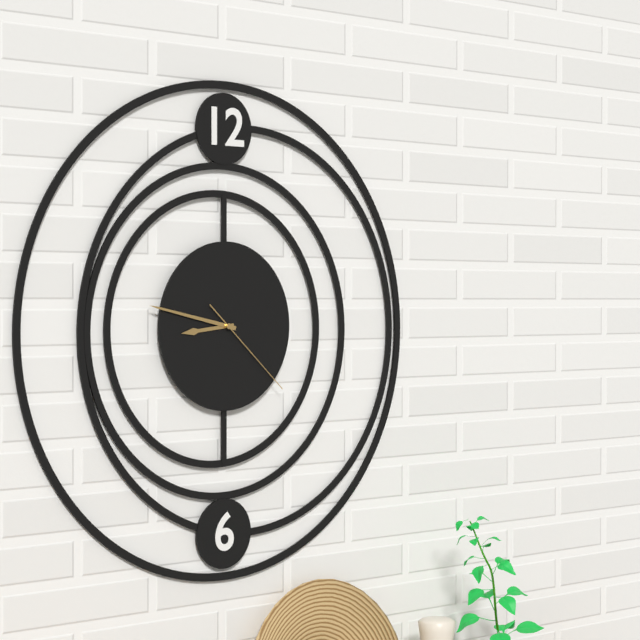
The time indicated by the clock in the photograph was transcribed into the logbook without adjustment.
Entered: 8:47:22
